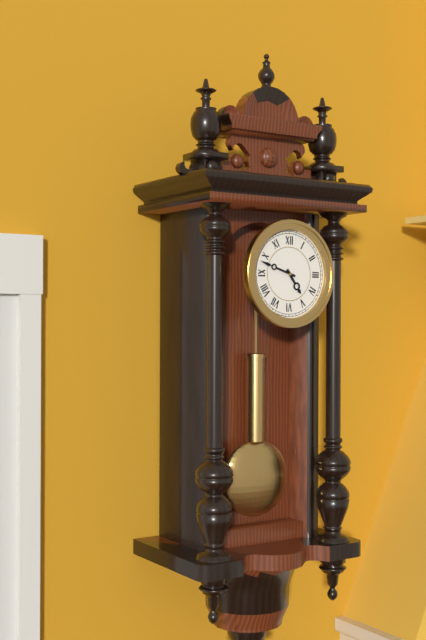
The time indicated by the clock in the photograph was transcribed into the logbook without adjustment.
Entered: 4:48
